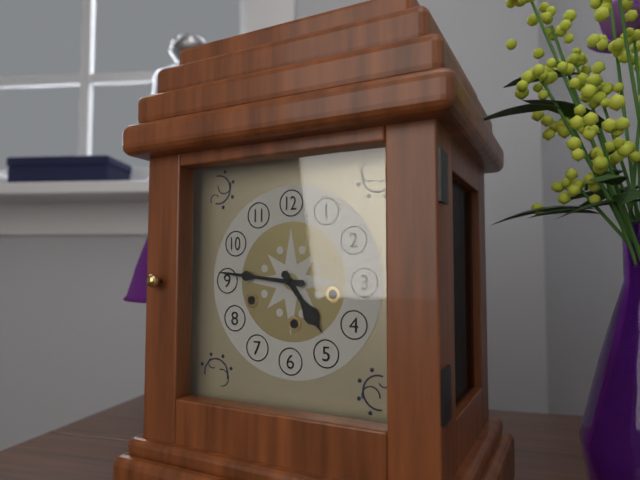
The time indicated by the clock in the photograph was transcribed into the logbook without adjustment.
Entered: 4:46
